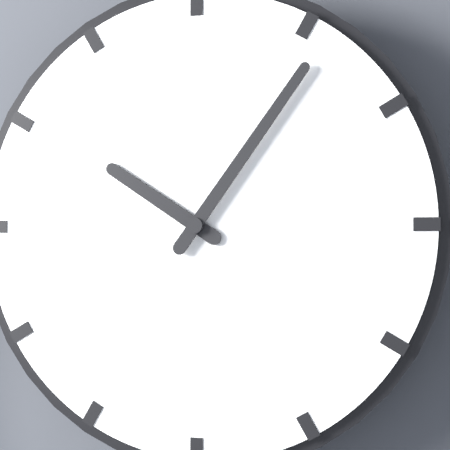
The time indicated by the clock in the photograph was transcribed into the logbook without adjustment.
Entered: 10:06
